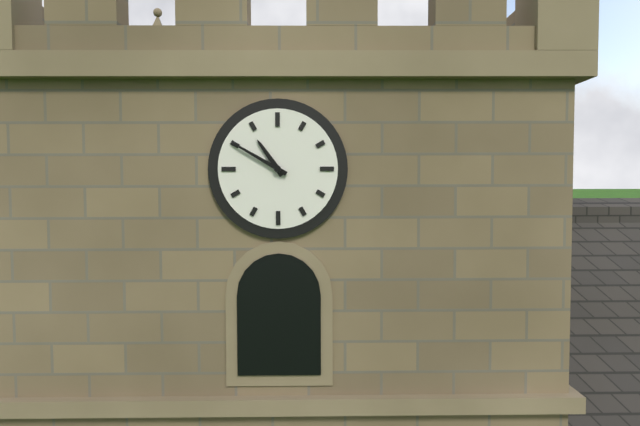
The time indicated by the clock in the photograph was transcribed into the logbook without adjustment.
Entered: 10:50
